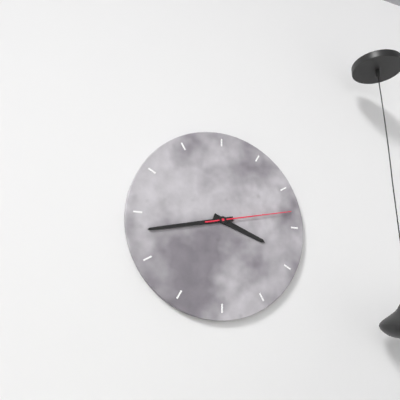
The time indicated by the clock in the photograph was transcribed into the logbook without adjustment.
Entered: 3:43:13
